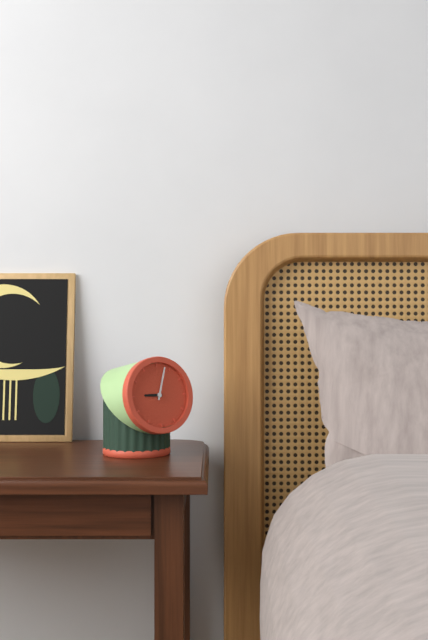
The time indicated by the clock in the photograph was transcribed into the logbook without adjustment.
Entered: 9:03
